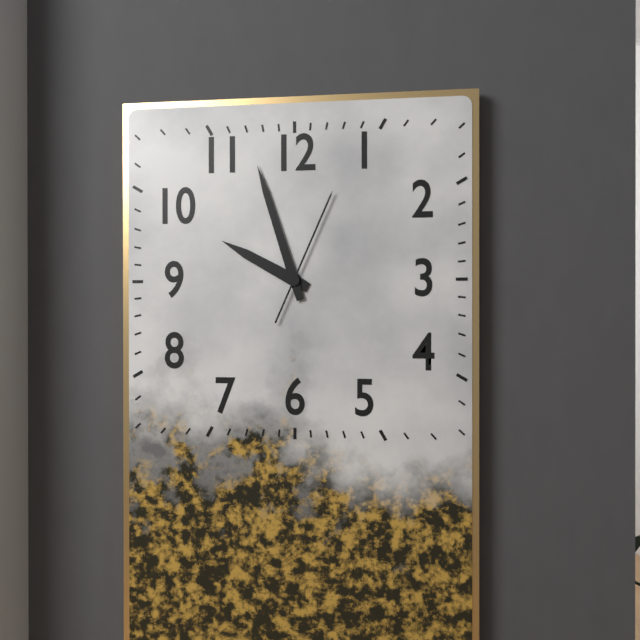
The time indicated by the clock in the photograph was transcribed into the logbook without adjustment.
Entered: 9:57:04
